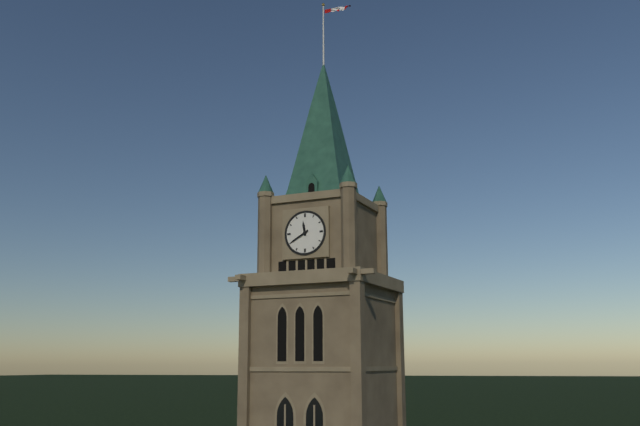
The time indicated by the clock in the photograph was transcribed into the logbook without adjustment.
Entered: 11:40
